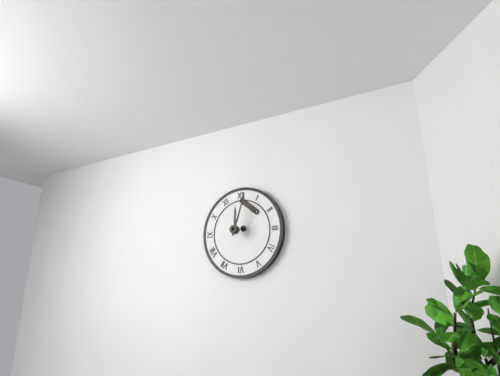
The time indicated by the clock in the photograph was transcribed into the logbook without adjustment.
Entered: 12:03
